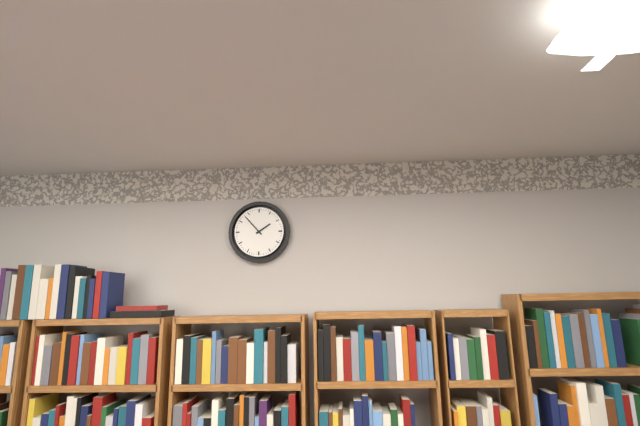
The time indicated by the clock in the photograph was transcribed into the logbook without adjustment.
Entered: 1:53
